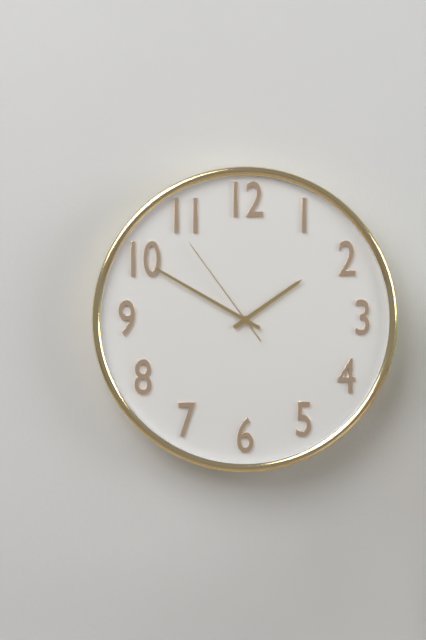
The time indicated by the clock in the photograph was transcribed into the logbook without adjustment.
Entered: 1:50:54
